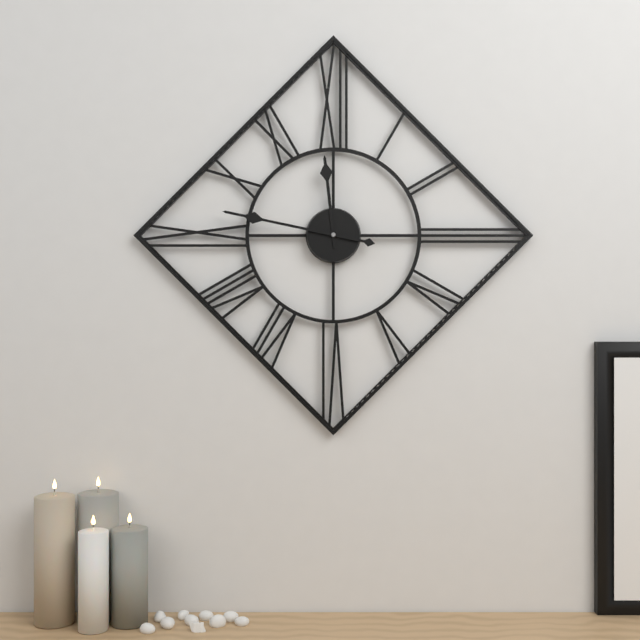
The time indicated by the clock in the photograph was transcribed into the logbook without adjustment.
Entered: 11:47
